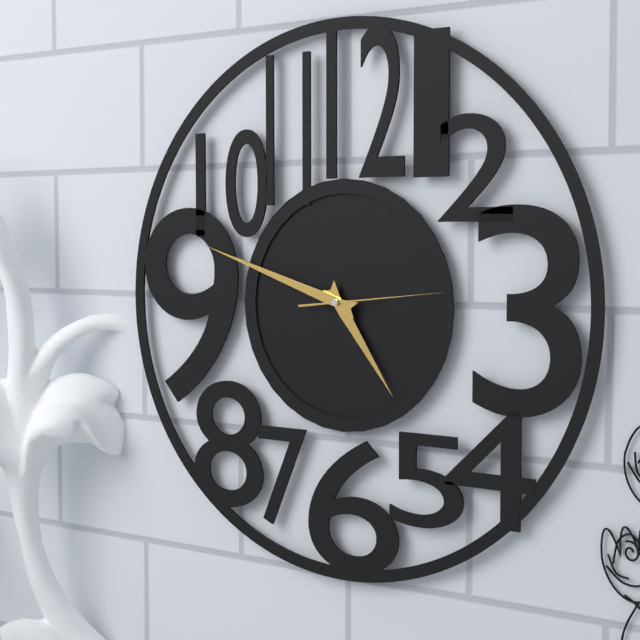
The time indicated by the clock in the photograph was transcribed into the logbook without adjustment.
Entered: 4:48:14
